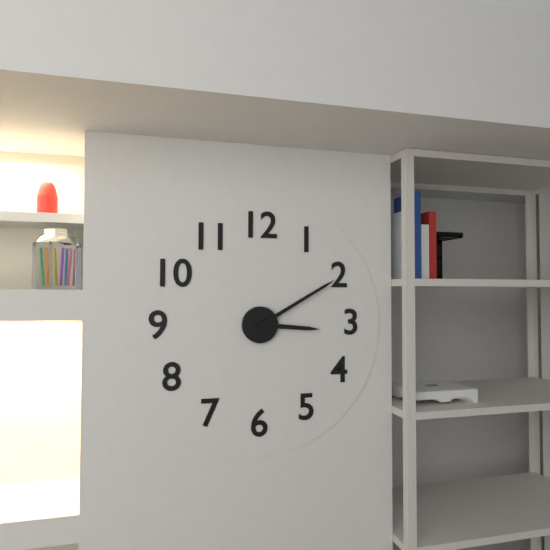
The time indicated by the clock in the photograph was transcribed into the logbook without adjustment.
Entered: 3:10
